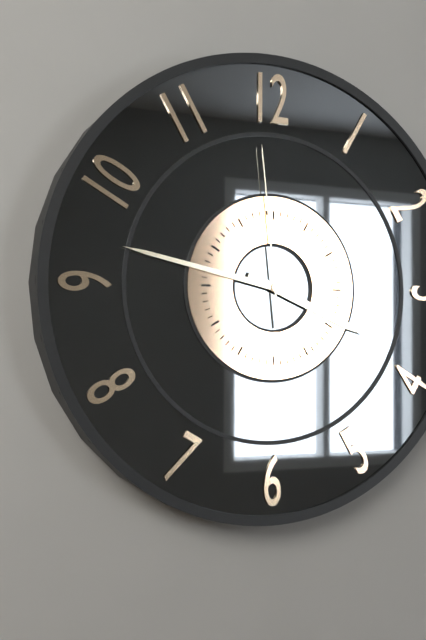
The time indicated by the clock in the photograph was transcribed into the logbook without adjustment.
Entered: 3:47:59
